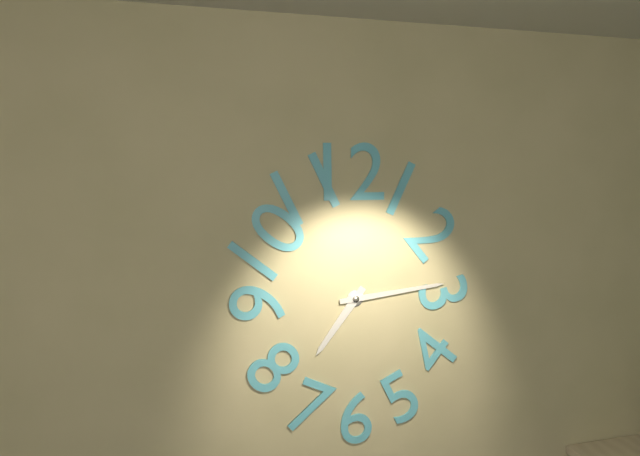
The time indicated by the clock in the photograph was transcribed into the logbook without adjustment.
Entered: 7:14
